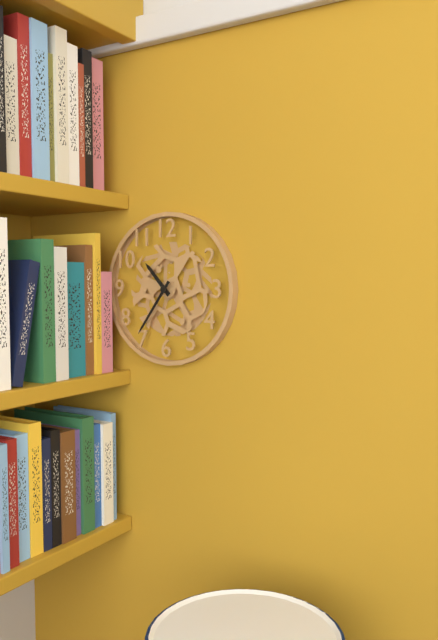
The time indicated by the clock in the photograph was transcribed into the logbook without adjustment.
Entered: 10:36
